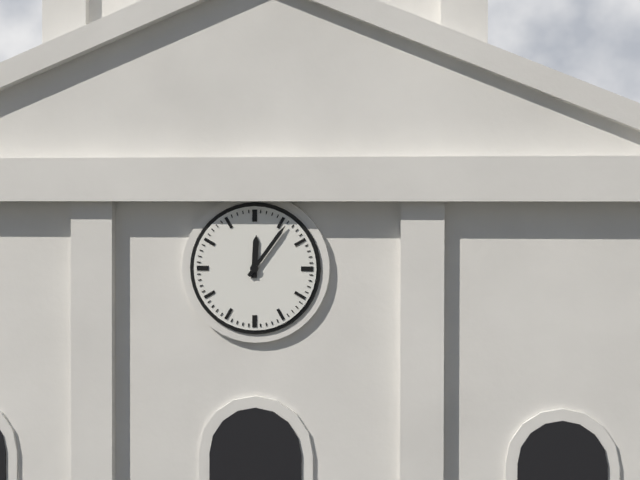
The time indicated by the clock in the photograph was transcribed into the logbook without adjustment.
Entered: 12:06
